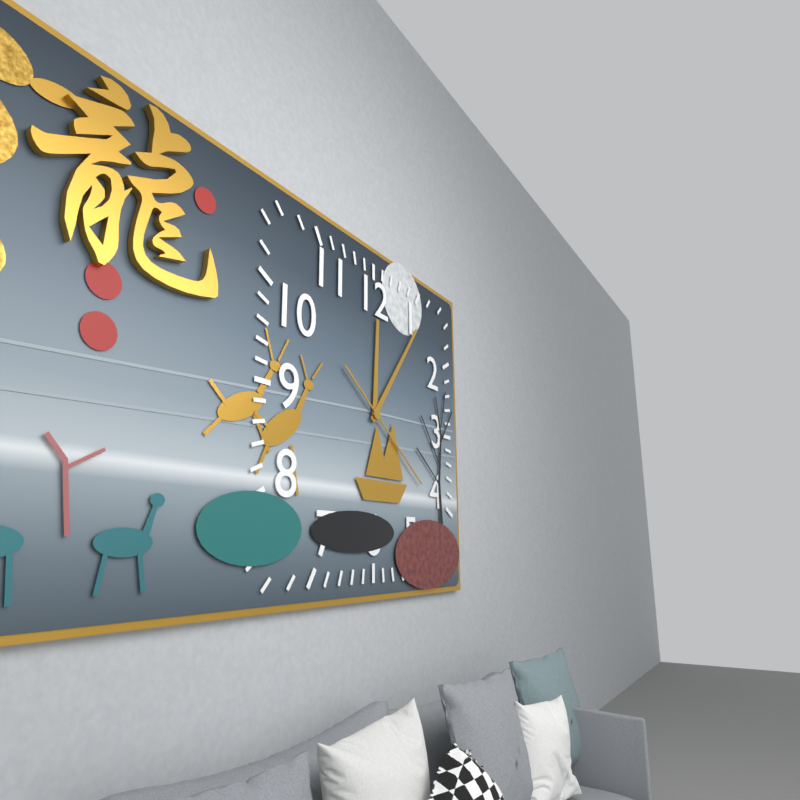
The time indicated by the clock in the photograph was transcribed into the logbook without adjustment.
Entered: 12:06:21
